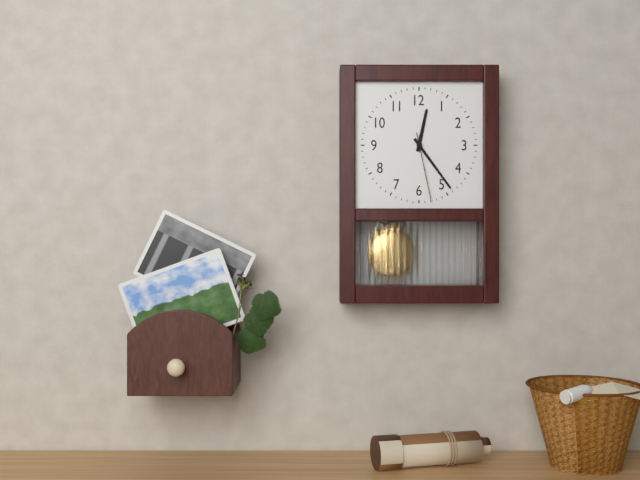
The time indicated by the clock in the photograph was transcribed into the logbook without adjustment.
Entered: 12:24:28
